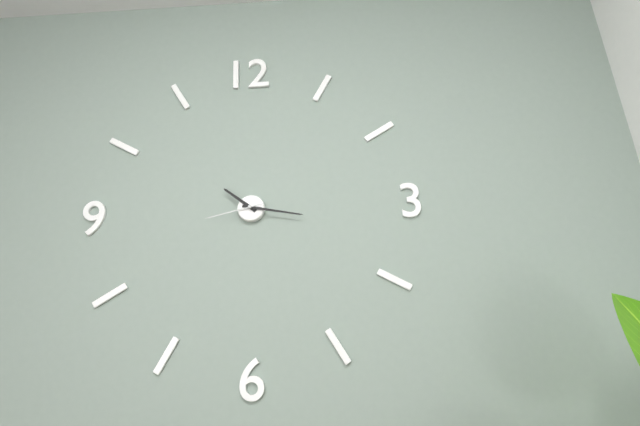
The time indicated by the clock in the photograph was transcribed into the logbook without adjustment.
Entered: 10:17:43
